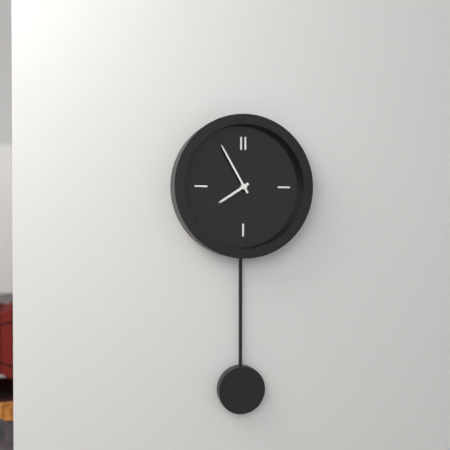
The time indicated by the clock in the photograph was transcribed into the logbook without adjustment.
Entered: 7:55
